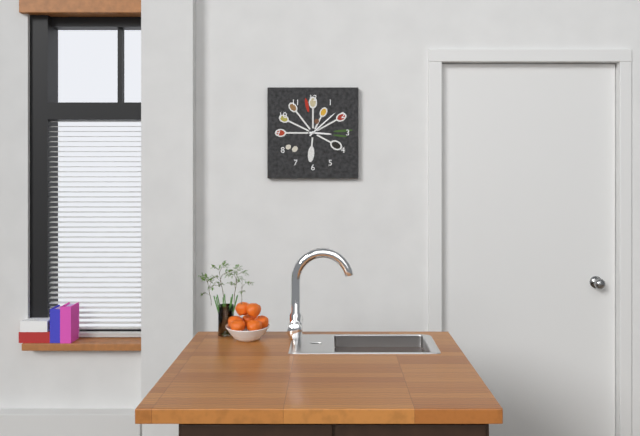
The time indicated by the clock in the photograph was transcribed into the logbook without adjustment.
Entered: 3:08
